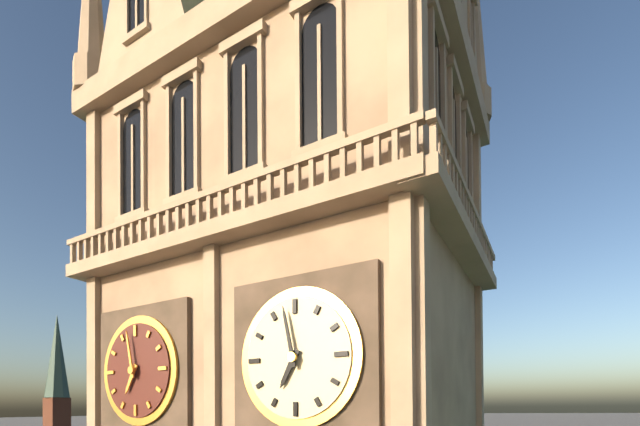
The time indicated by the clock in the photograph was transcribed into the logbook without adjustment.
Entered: 6:58
